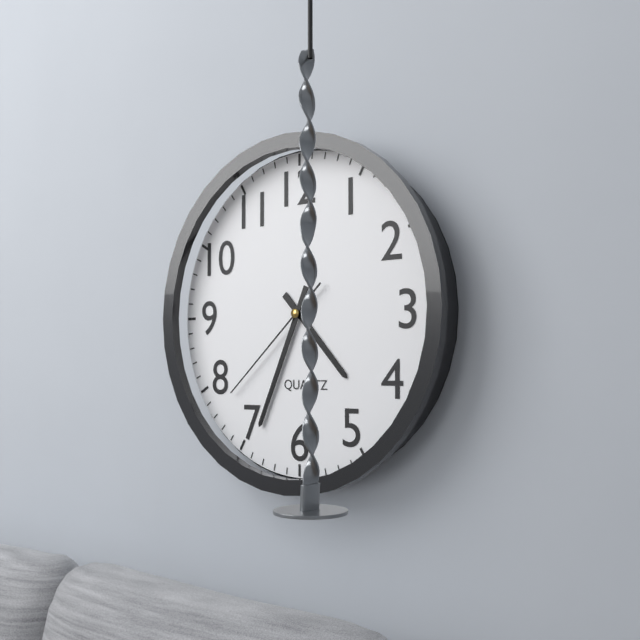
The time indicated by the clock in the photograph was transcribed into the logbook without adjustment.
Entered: 4:34:38
